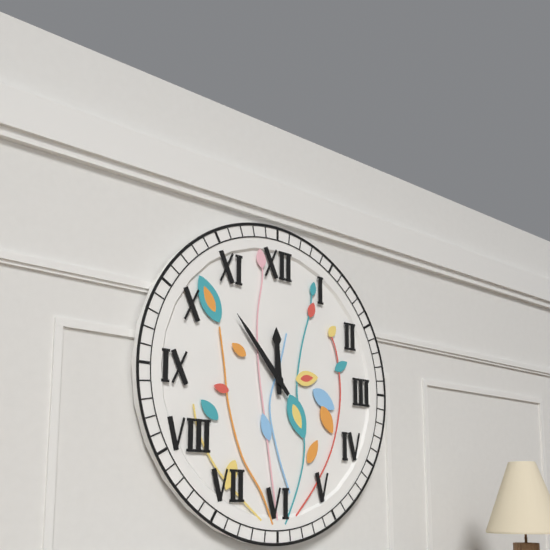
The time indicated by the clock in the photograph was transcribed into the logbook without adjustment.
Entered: 11:53
